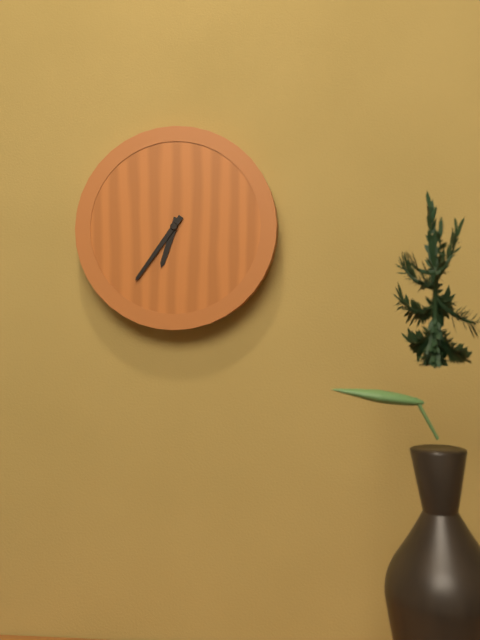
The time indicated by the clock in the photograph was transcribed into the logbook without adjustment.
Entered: 6:36
